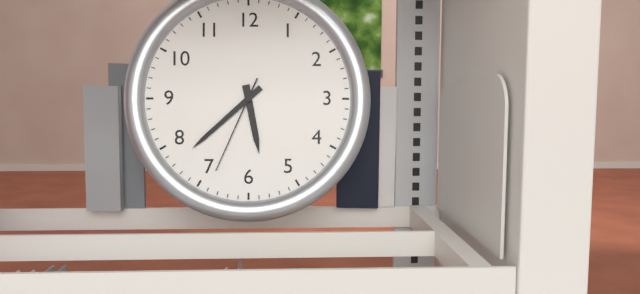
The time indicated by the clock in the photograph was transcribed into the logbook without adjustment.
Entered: 5:38:34
